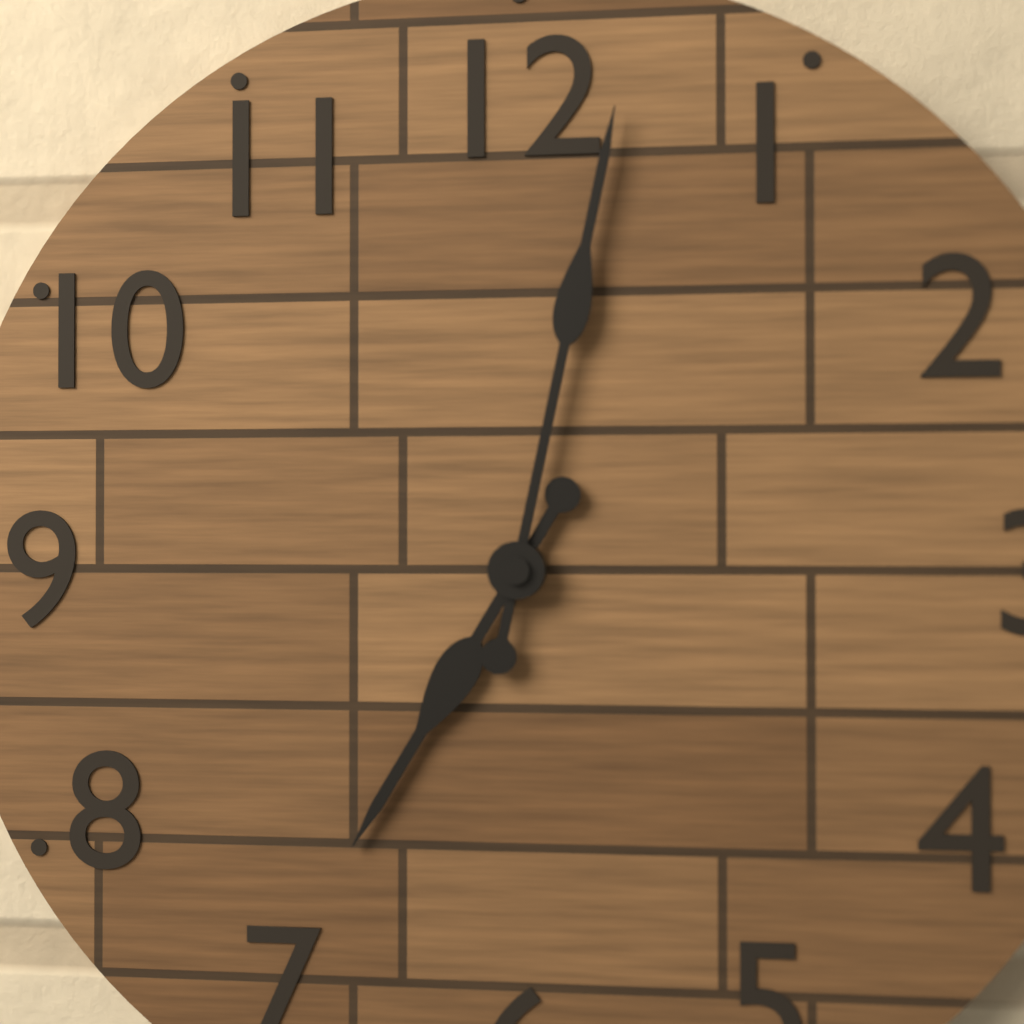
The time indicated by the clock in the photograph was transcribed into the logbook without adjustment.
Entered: 7:02
